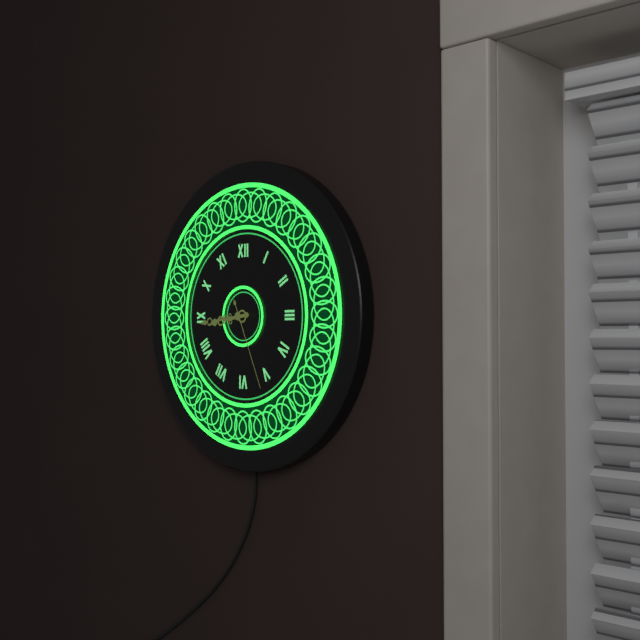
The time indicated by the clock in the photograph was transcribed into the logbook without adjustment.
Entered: 8:44:26
